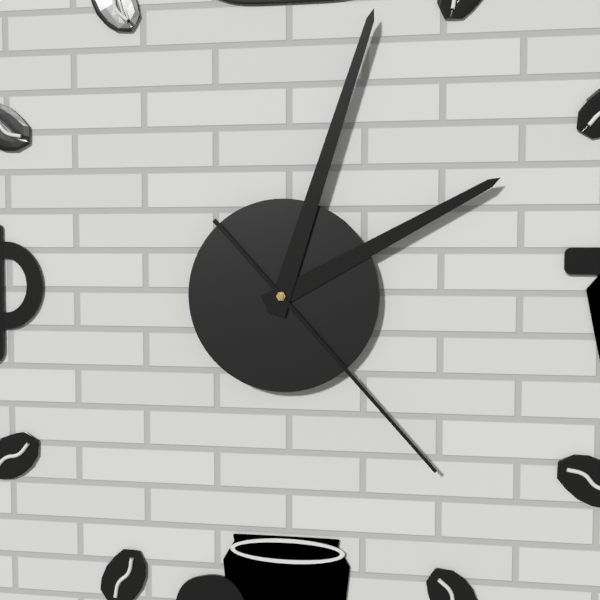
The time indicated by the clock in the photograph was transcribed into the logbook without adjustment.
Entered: 2:03:23
